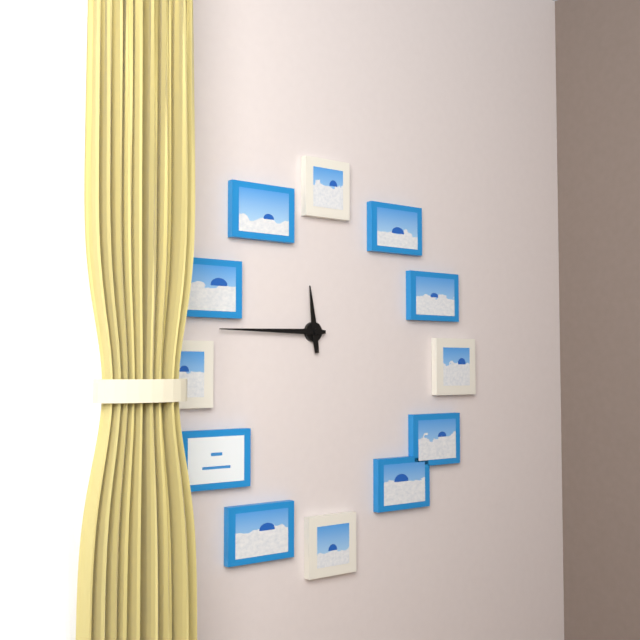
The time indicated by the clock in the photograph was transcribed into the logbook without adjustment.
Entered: 11:45
